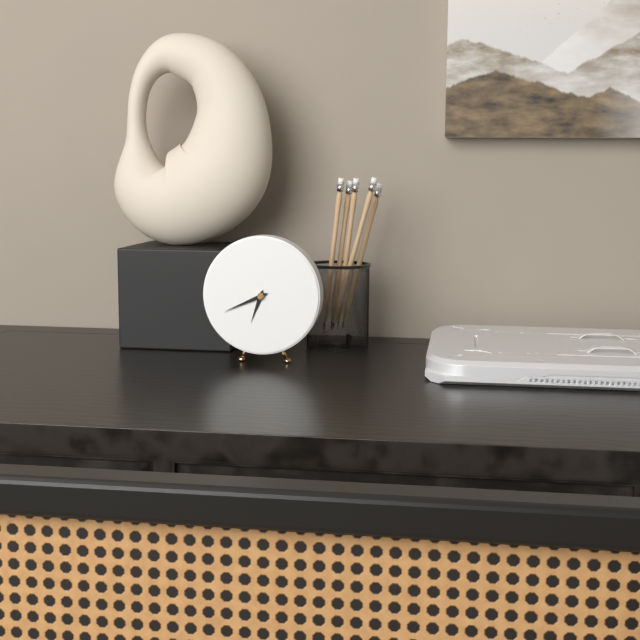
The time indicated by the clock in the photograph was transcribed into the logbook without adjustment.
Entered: 6:41
